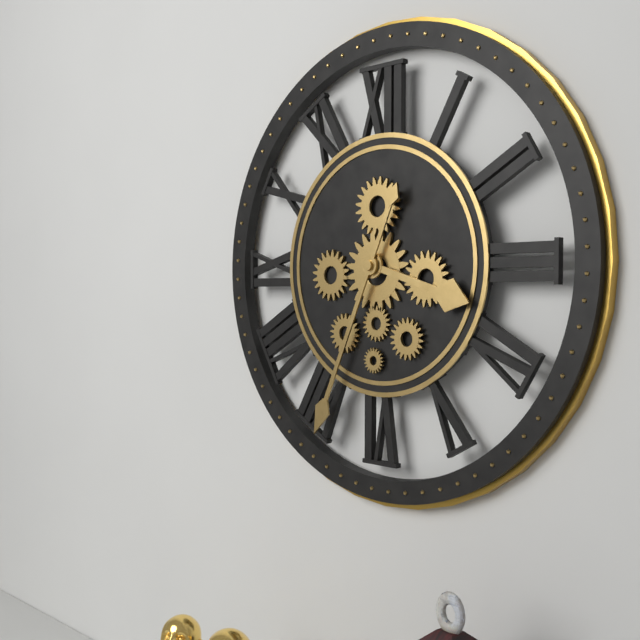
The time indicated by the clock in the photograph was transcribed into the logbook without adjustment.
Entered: 3:34
